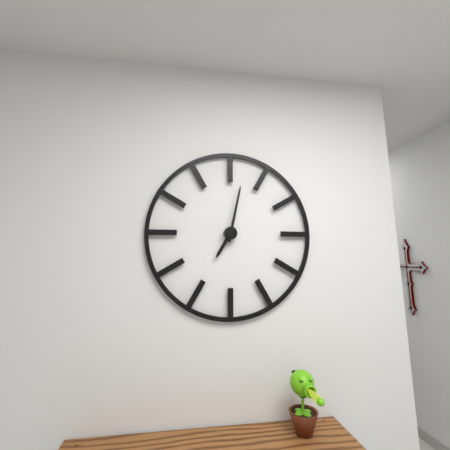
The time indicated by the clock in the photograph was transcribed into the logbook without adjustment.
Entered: 7:02
